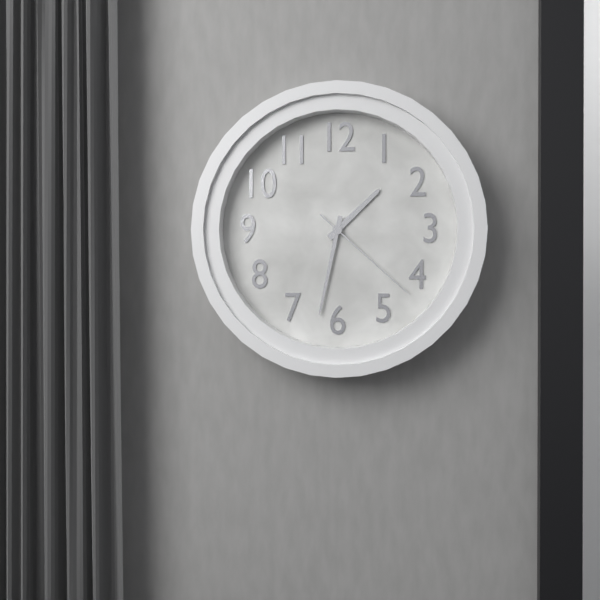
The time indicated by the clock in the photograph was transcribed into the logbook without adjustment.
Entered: 1:32:22
